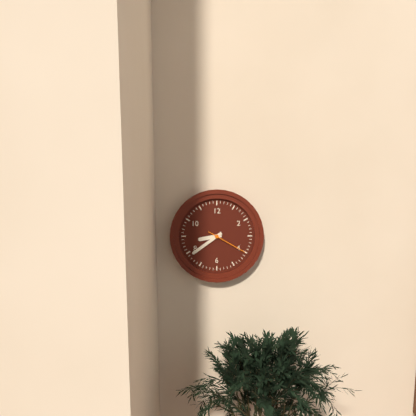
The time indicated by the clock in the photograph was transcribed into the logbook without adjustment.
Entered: 8:39
